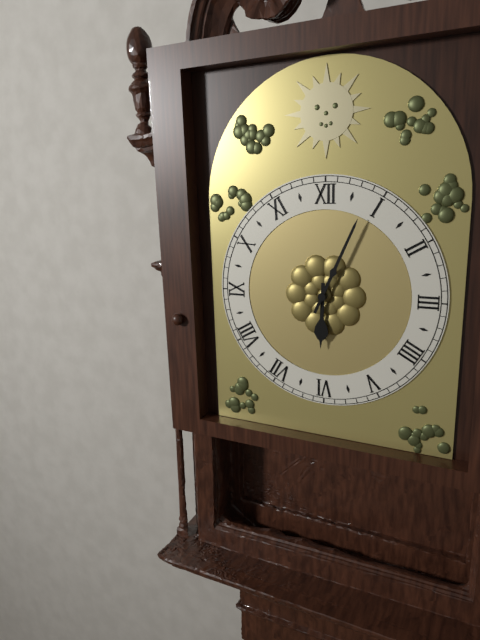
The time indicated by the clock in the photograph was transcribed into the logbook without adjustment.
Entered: 6:04
